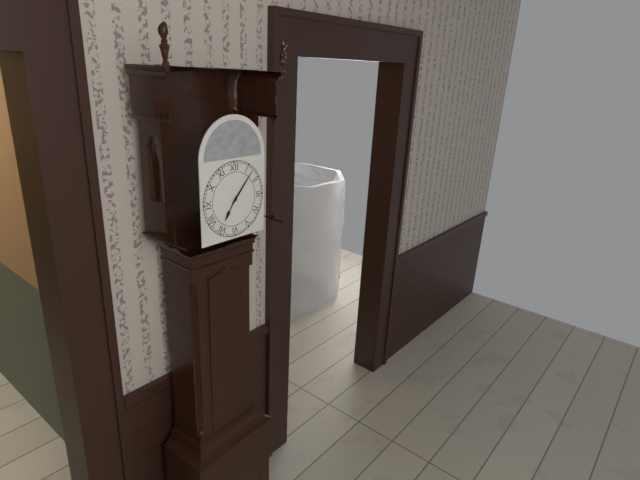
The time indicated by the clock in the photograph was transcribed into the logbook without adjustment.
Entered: 7:07
